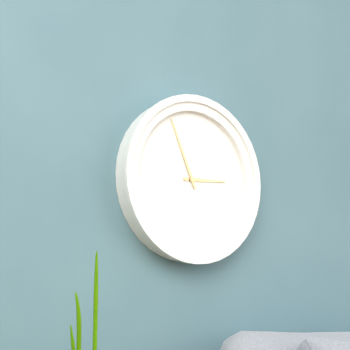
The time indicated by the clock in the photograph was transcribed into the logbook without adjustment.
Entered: 2:56
